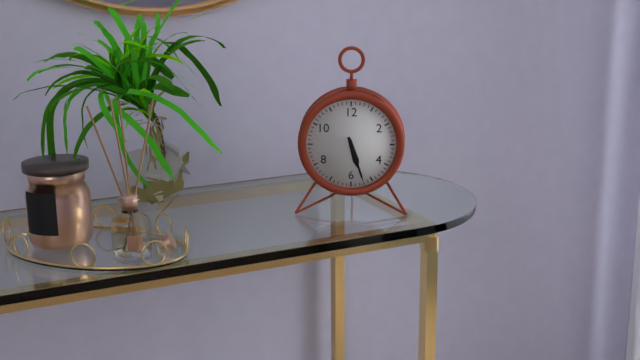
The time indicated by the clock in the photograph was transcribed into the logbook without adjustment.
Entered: 5:27
